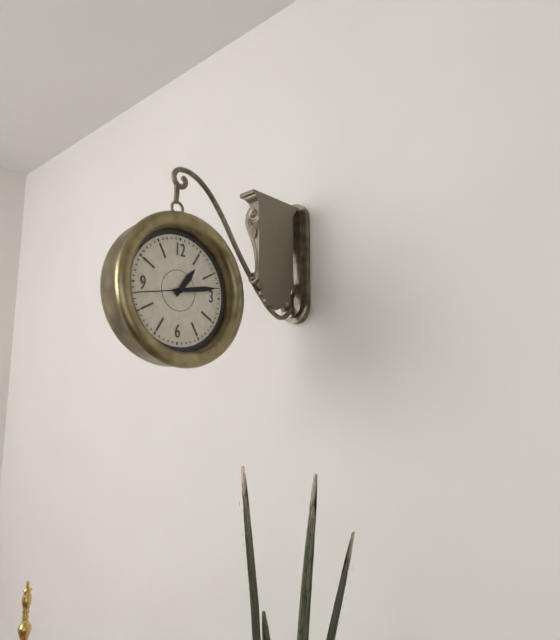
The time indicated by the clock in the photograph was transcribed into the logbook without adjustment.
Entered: 1:13:43
